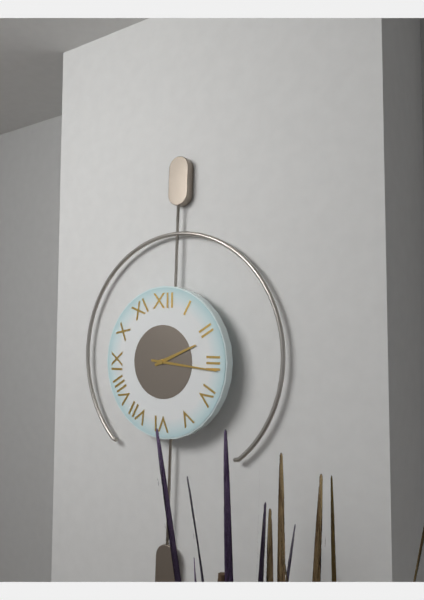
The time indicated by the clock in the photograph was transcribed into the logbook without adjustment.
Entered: 2:16
